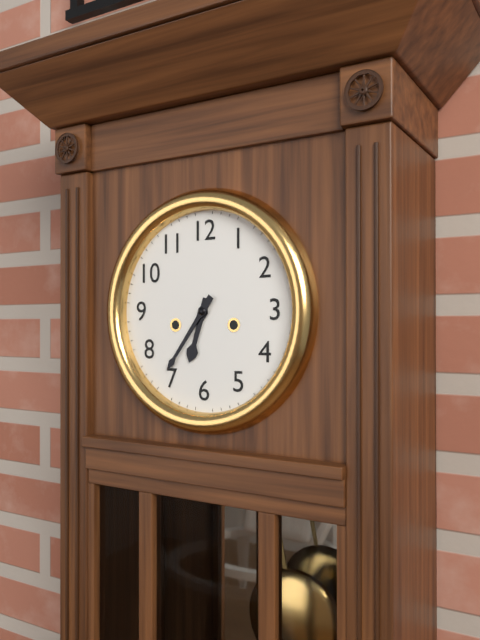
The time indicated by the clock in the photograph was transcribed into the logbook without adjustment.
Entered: 6:36
